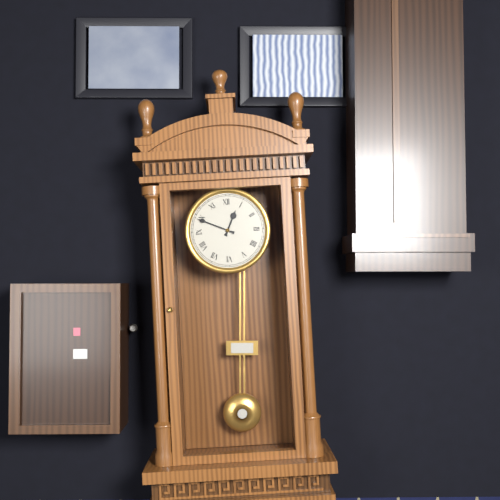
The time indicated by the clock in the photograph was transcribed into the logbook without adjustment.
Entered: 12:49
